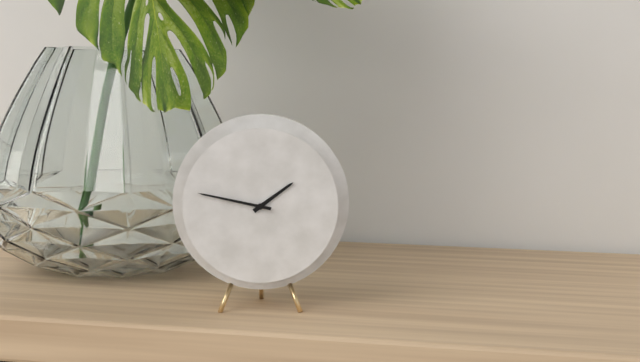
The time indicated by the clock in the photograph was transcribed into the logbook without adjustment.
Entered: 1:47
